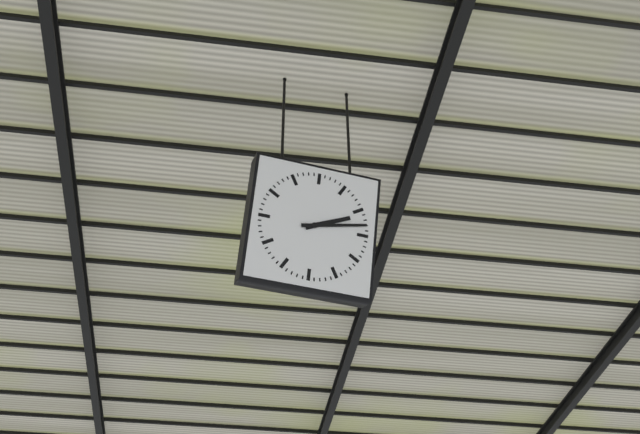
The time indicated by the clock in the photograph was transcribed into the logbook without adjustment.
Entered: 2:13
